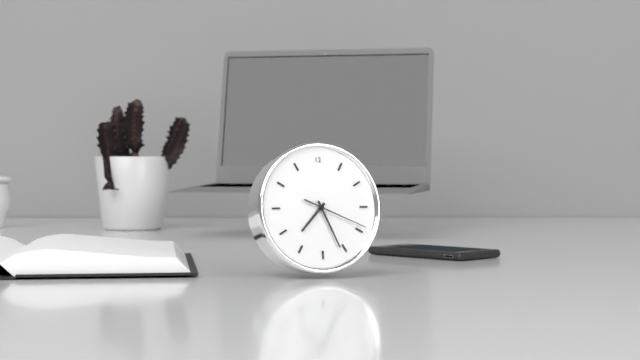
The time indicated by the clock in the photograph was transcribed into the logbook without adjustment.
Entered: 7:26:19
